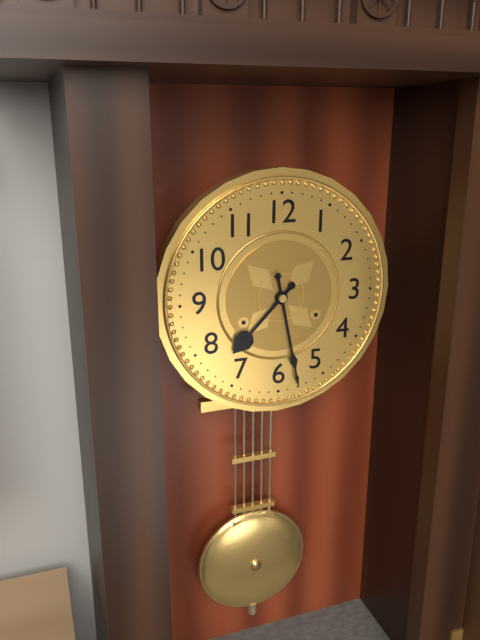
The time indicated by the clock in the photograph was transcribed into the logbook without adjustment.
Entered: 7:28
